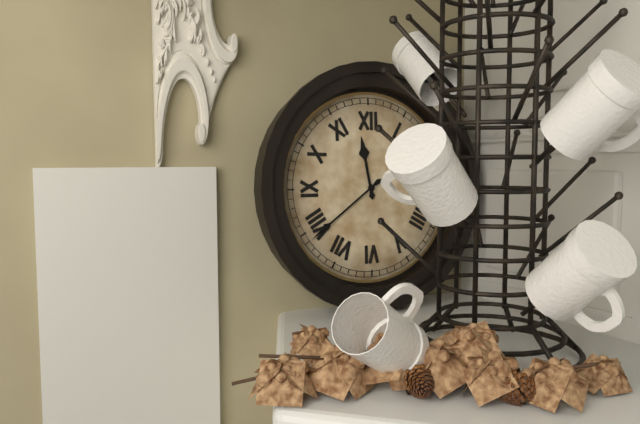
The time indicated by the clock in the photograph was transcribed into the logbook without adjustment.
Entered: 11:39
